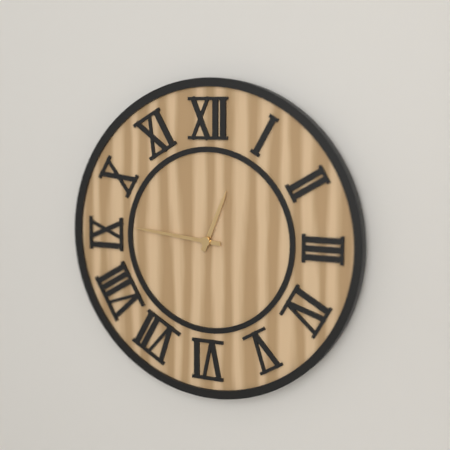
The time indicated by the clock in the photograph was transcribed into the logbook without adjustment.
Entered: 12:46
